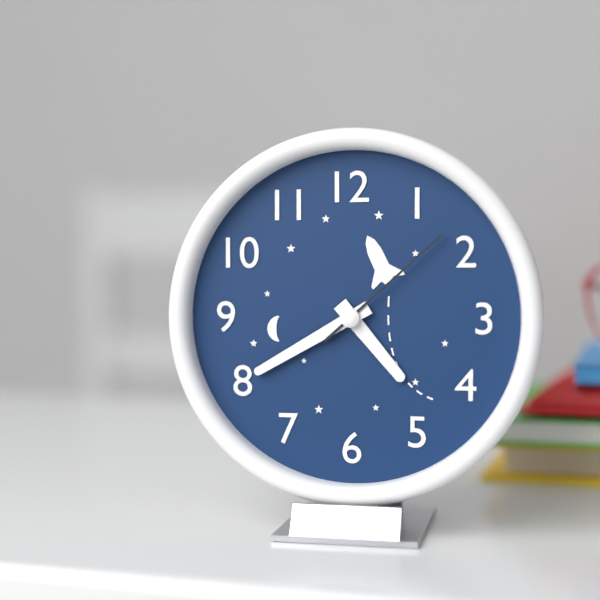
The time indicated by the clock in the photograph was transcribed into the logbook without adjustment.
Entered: 4:40:08
